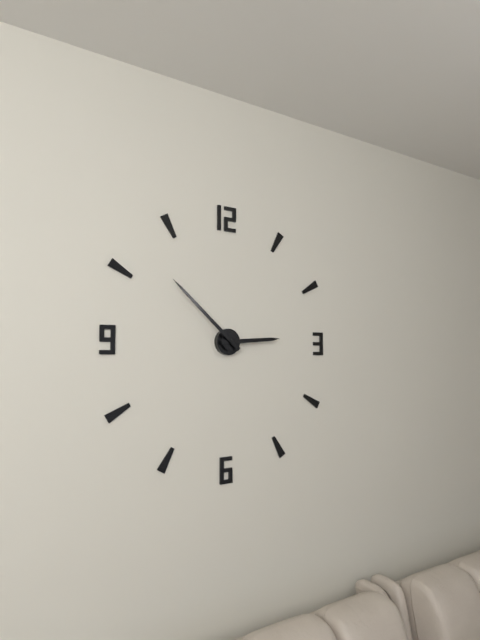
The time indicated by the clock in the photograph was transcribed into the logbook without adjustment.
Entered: 2:52
